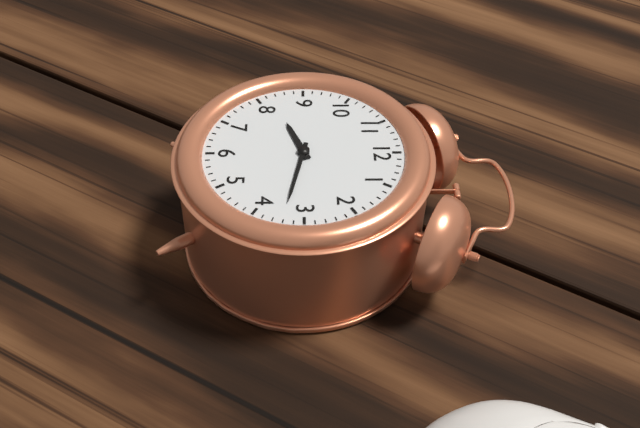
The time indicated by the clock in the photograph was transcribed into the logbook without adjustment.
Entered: 8:17
